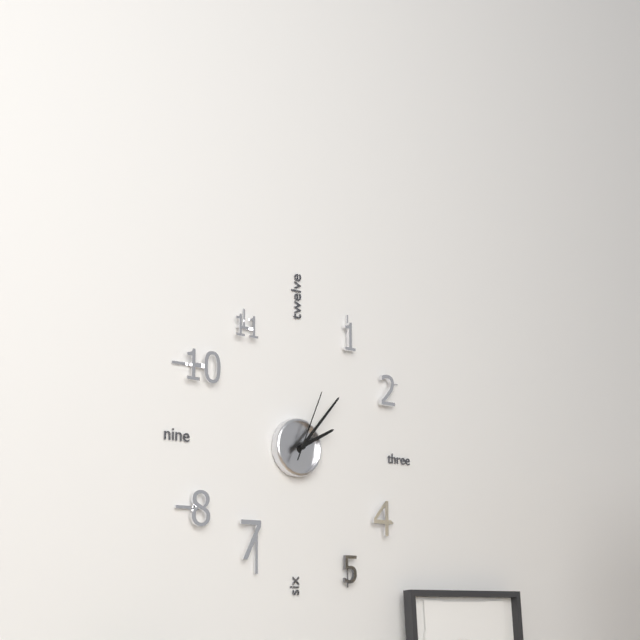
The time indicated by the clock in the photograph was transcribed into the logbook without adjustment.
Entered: 2:07:04
